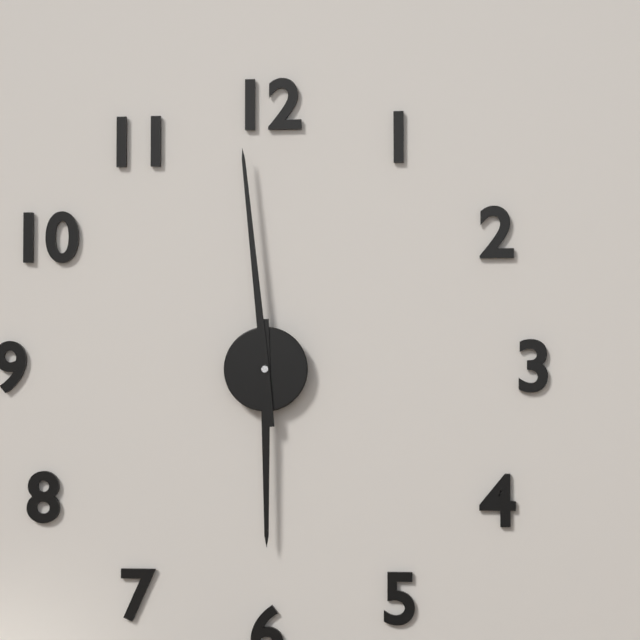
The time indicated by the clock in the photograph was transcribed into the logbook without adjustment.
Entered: 5:59
